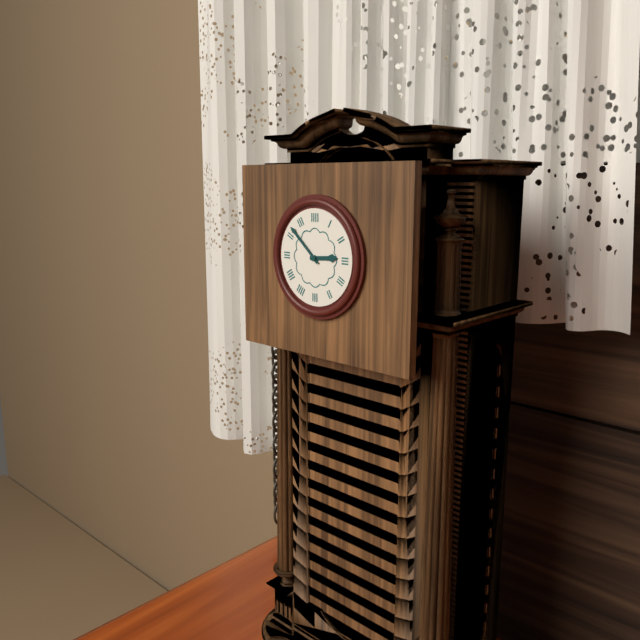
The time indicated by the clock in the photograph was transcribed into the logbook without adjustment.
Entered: 2:52
